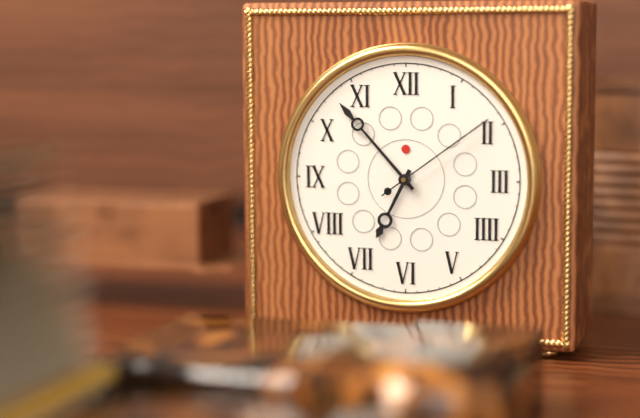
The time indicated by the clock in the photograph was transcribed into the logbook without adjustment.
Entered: 6:53:09
